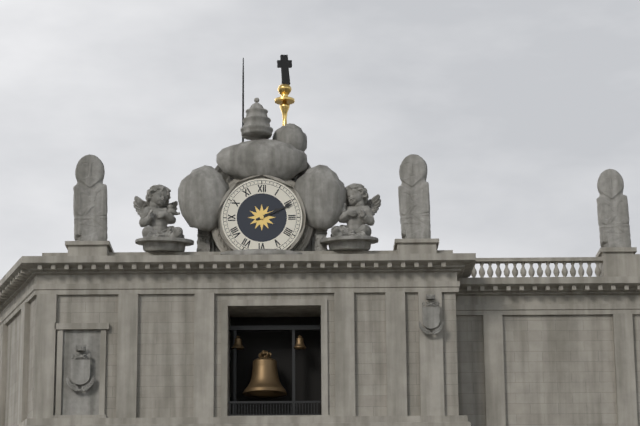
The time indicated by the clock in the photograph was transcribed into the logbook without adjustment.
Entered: 2:11
